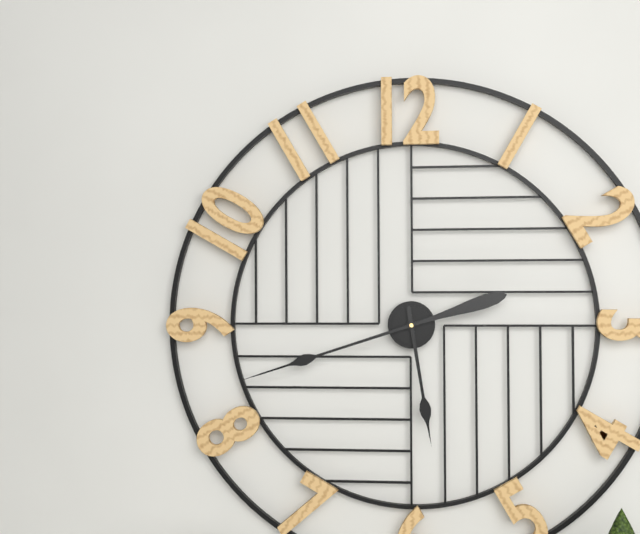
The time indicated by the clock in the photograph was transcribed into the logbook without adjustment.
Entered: 5:42
